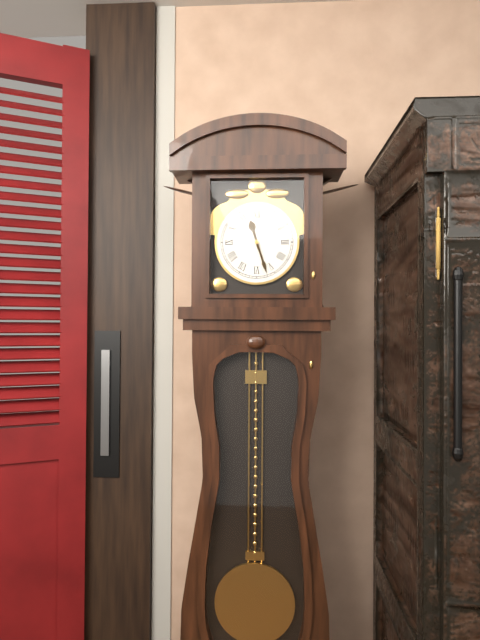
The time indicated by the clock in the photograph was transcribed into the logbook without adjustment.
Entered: 11:27
